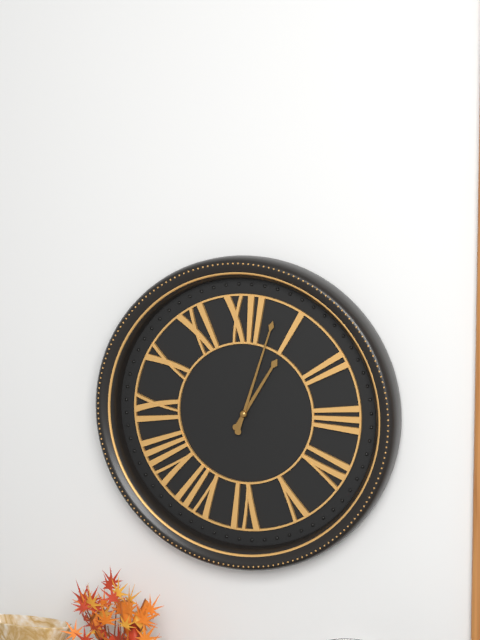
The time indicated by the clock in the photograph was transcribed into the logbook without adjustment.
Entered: 1:03
